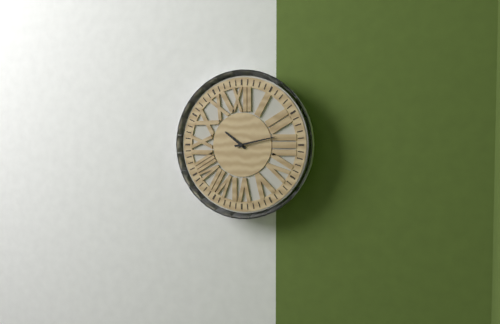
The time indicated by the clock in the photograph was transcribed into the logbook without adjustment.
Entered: 10:13
